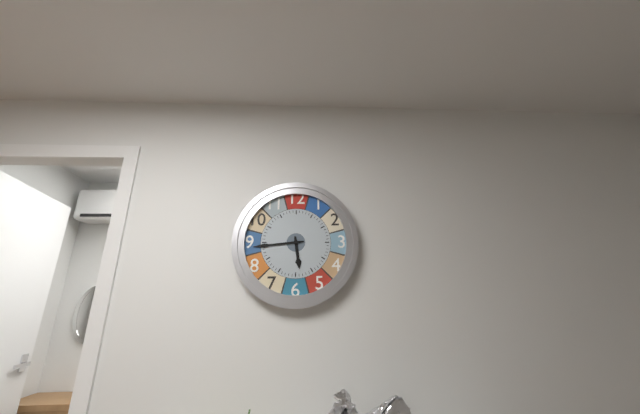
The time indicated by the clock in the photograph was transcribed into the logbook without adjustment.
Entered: 5:44
